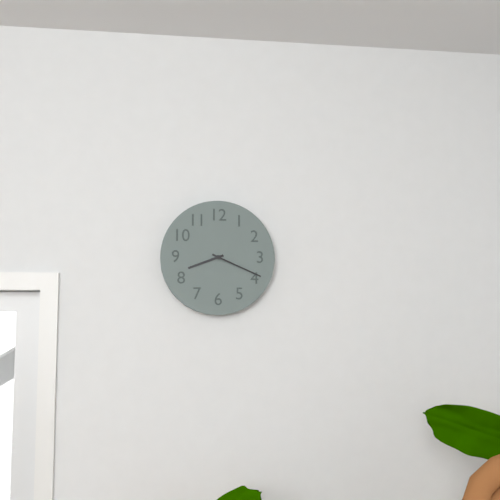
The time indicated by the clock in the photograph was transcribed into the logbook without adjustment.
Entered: 8:19
